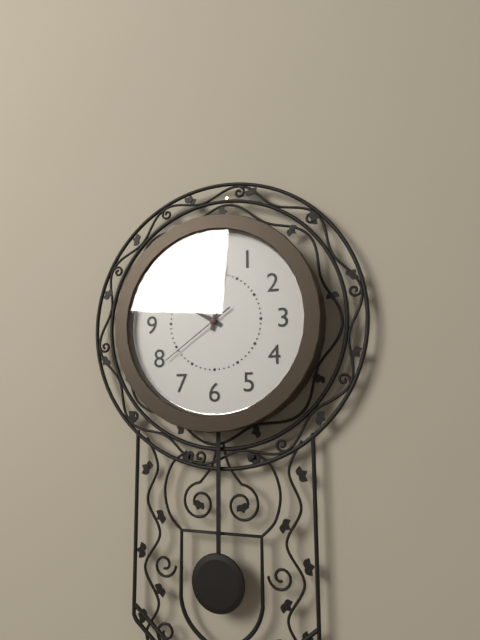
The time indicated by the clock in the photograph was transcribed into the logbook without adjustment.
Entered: 10:02:39
